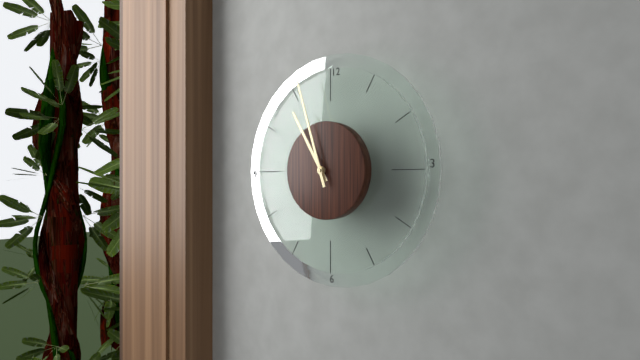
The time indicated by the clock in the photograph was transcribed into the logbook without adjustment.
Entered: 10:57
